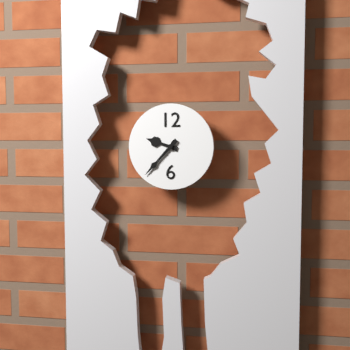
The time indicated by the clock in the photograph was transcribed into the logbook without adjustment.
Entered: 9:37
